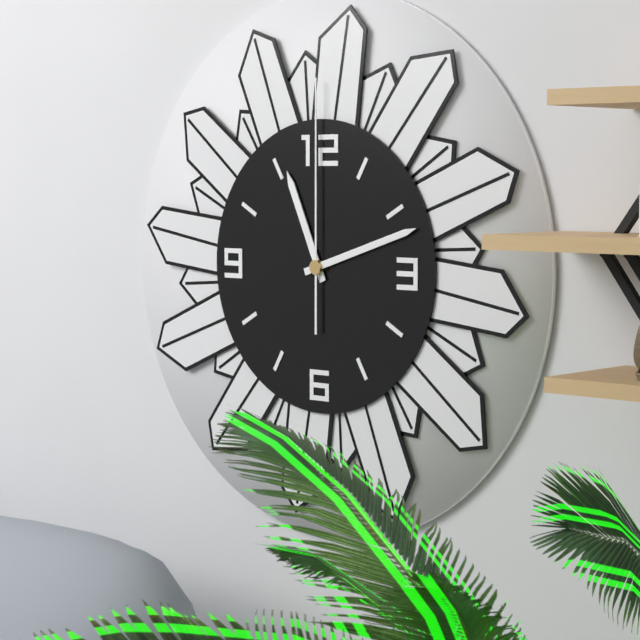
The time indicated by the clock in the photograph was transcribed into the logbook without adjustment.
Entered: 11:12:00
